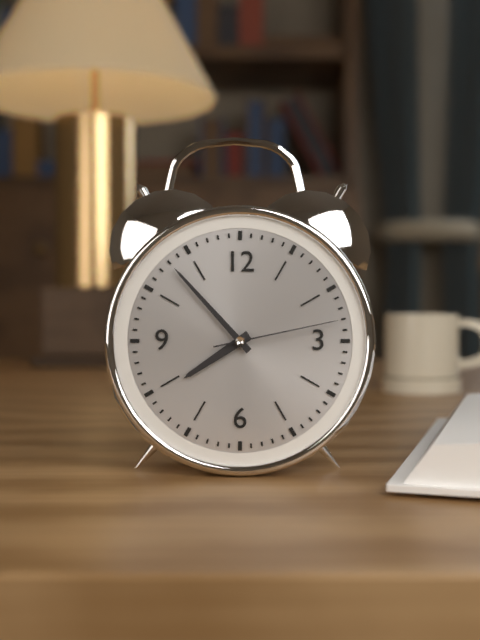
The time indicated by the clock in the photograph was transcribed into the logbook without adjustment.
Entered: 7:53:13
